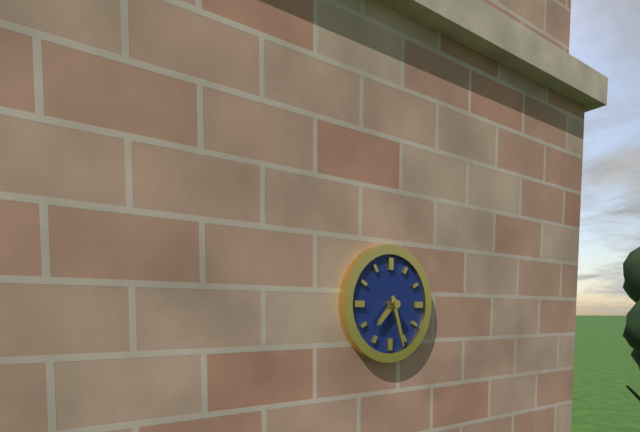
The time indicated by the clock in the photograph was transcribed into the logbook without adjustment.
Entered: 7:27
